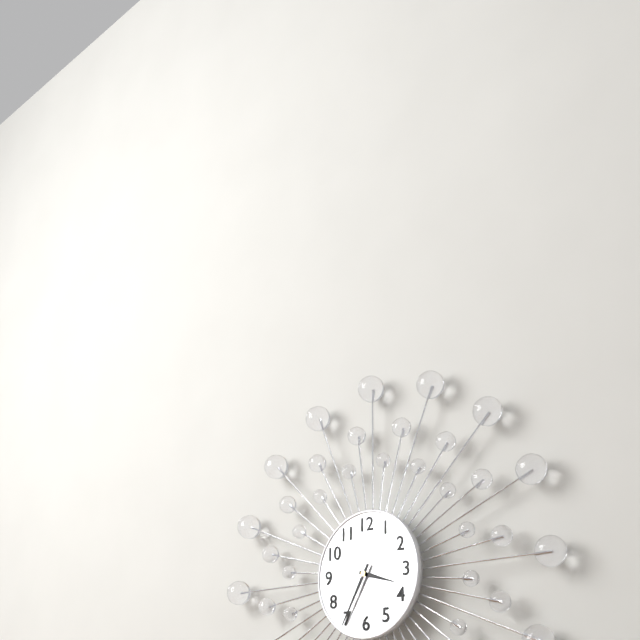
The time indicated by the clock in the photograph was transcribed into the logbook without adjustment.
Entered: 3:35
